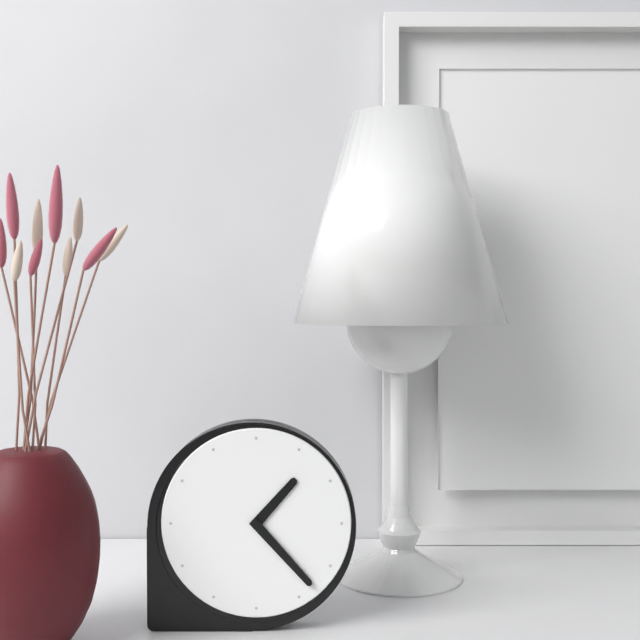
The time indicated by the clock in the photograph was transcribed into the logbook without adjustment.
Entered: 1:23
